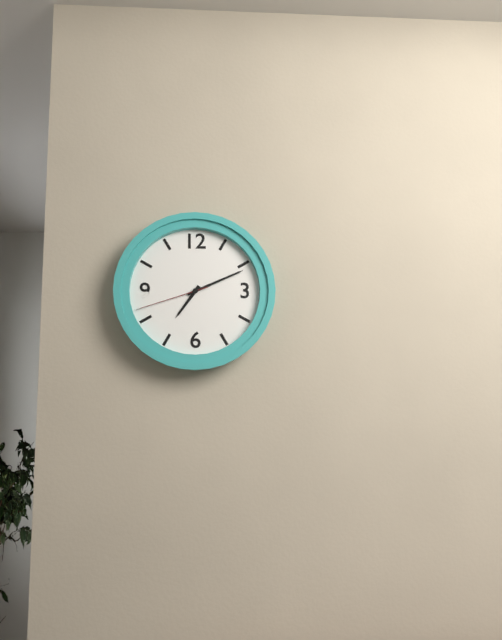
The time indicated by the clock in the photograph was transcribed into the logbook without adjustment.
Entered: 7:11:42
